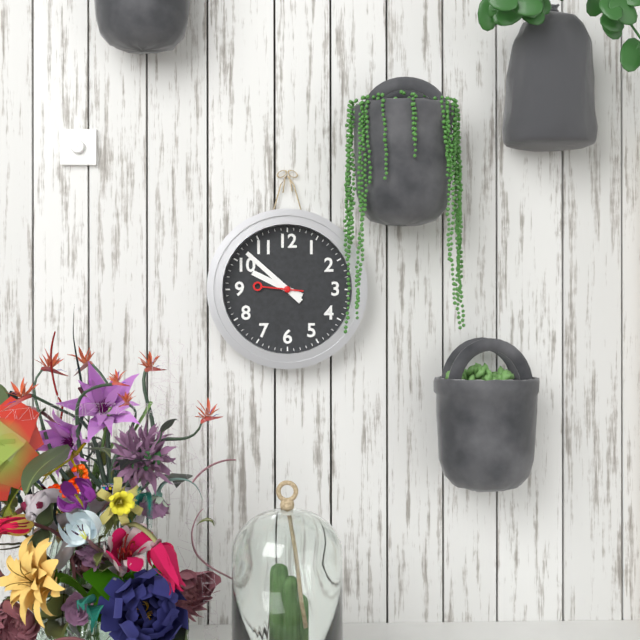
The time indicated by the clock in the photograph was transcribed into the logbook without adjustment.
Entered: 9:52
